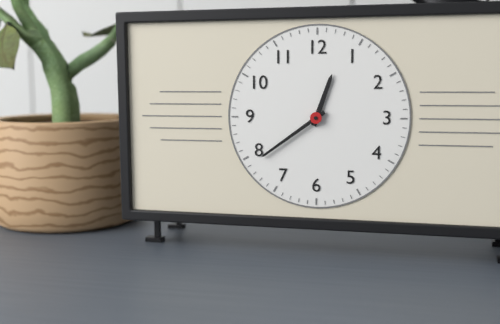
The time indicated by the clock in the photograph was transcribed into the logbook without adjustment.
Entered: 12:39
